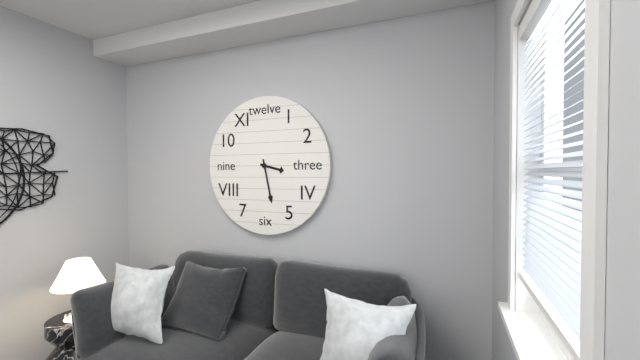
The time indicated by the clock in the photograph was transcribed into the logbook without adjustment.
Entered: 3:28
